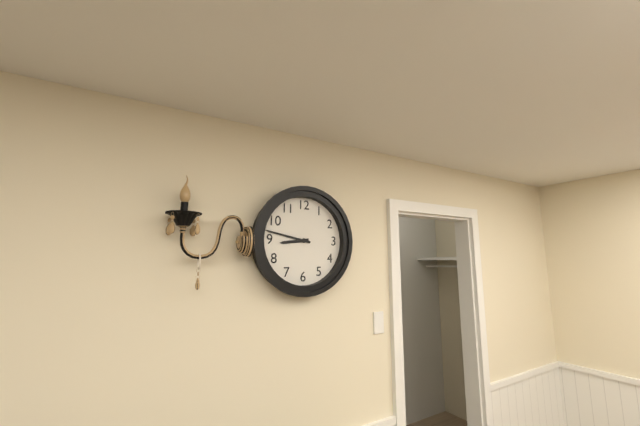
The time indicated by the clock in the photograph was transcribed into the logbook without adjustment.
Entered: 8:47
